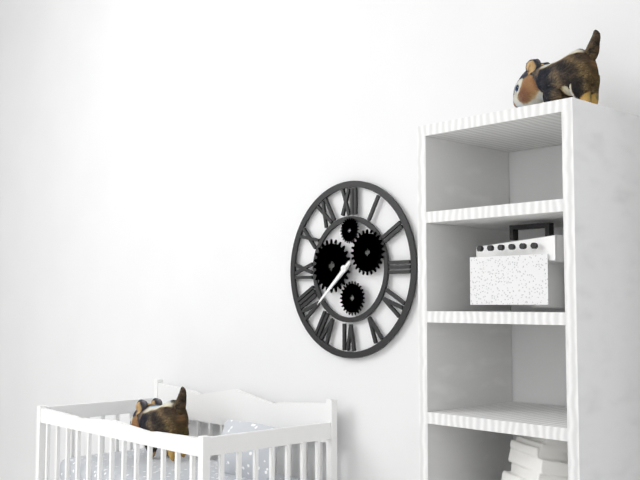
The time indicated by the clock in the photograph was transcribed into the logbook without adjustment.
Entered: 7:38
